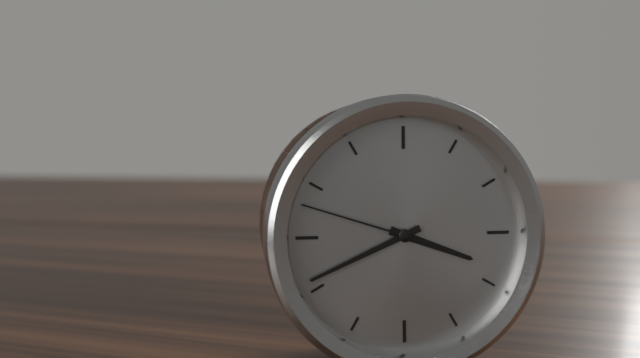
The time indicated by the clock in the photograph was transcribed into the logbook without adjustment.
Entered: 3:41:48
